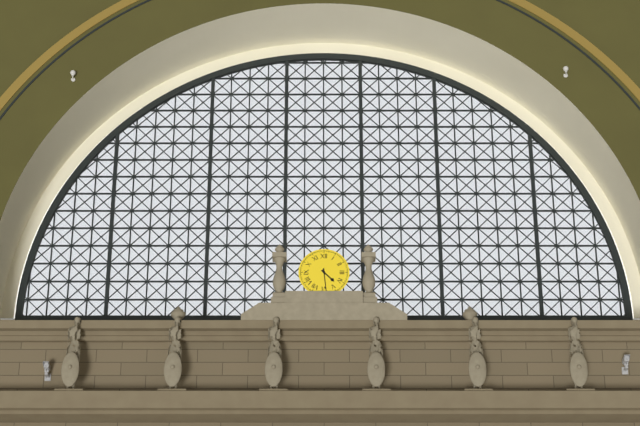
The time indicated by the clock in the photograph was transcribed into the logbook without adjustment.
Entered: 4:29
